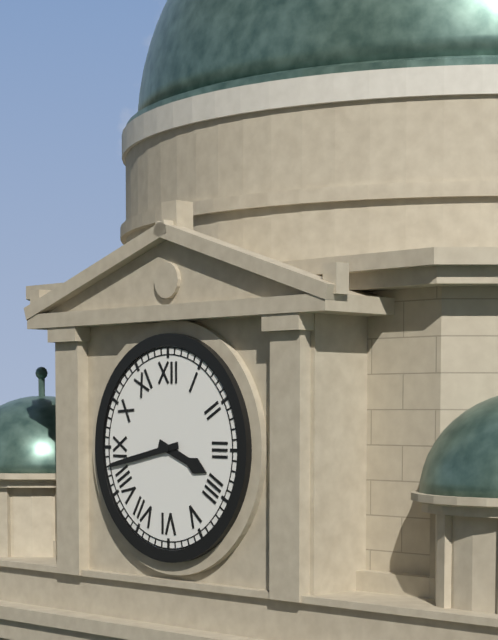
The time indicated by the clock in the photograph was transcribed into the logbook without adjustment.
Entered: 3:43
